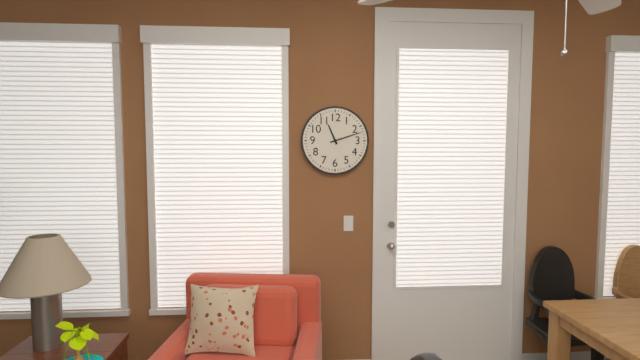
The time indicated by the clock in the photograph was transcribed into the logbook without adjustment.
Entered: 11:12
